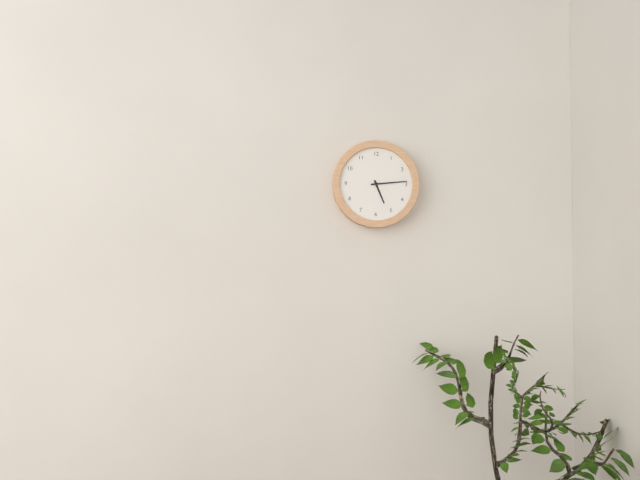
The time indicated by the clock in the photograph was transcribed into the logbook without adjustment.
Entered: 5:14
